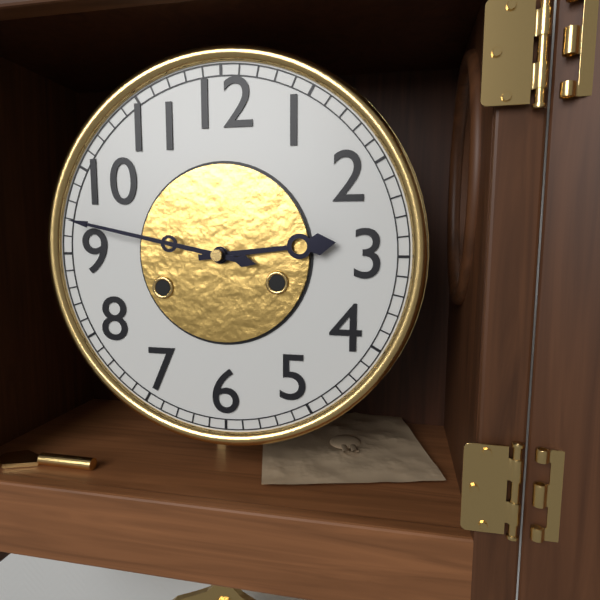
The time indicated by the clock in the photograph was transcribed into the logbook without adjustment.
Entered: 2:47
